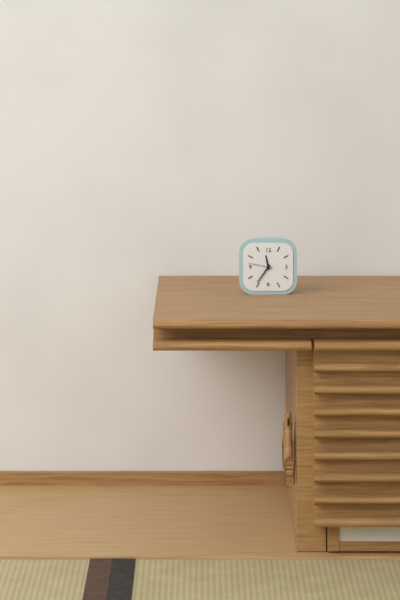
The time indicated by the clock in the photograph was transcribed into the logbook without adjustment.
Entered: 11:36
